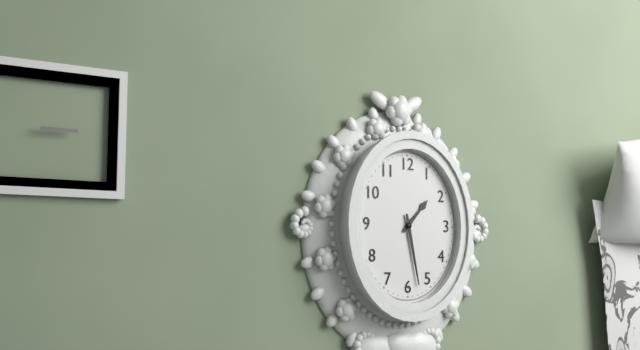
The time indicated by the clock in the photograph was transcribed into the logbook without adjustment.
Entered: 1:28
